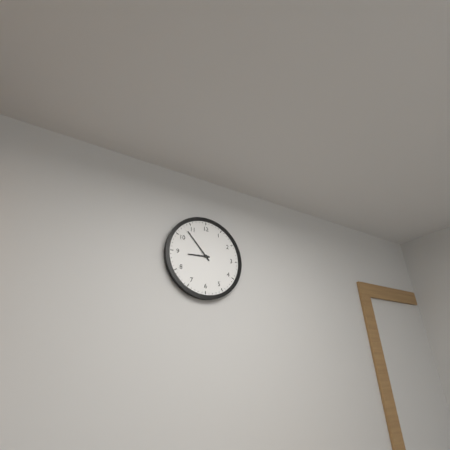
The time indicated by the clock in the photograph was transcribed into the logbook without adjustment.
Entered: 8:53
